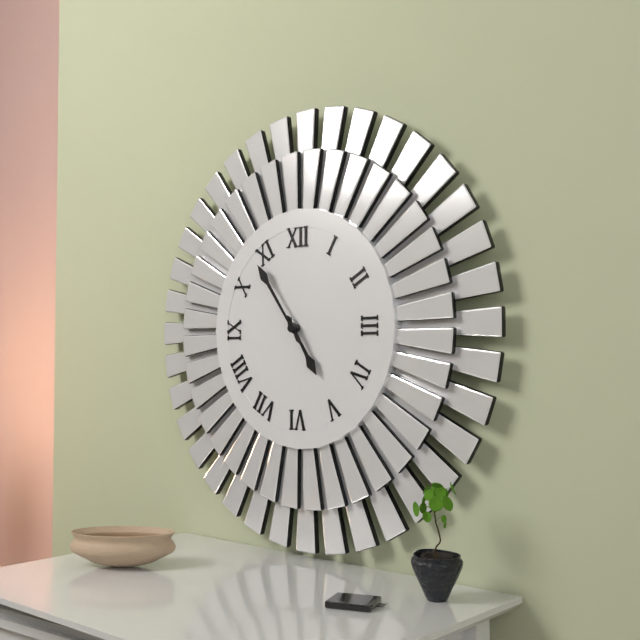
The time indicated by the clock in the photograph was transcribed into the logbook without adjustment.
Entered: 4:54
